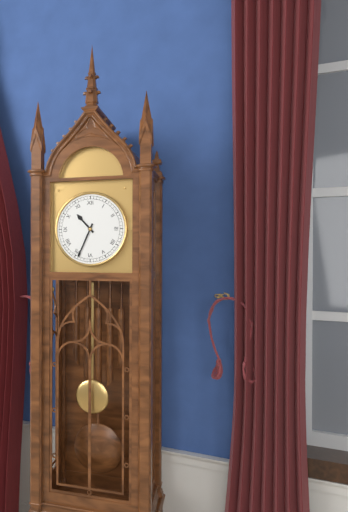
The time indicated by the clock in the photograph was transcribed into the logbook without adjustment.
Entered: 10:34
